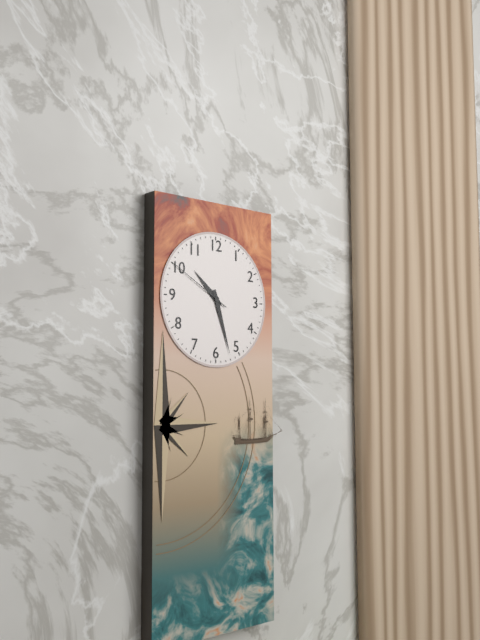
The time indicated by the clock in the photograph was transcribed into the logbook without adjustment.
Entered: 10:27:50
